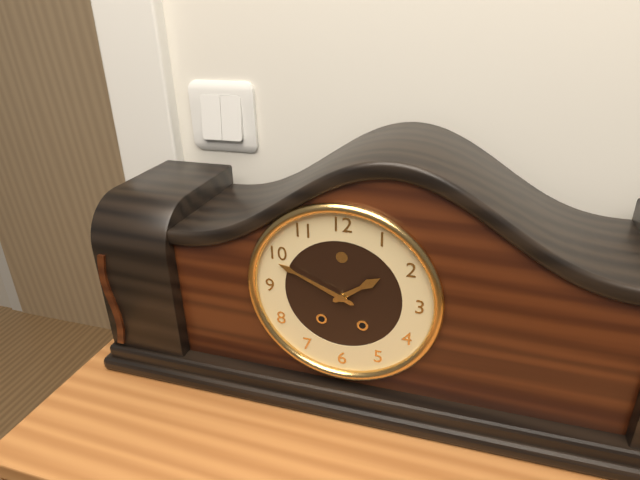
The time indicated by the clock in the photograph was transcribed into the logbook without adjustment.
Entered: 1:49
